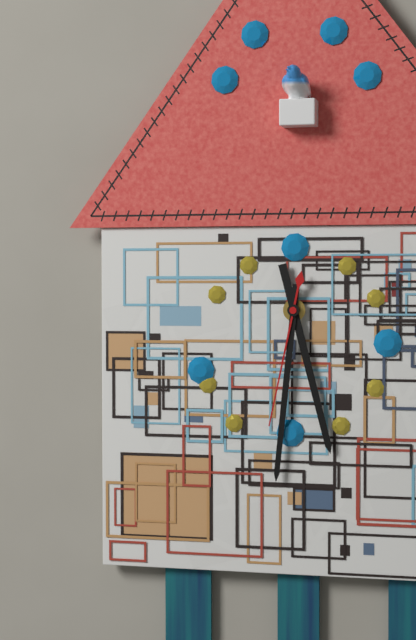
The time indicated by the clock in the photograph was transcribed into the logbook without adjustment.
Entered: 5:31:32
